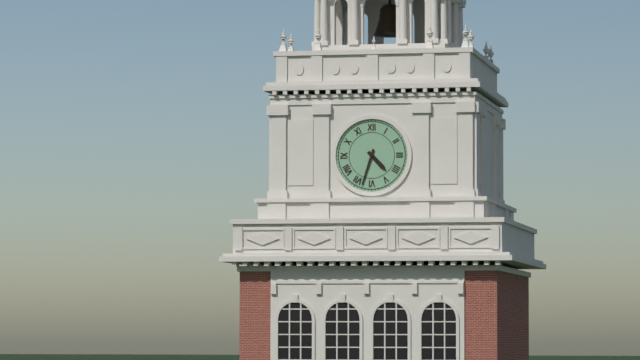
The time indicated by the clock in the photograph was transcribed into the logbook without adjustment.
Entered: 4:33
